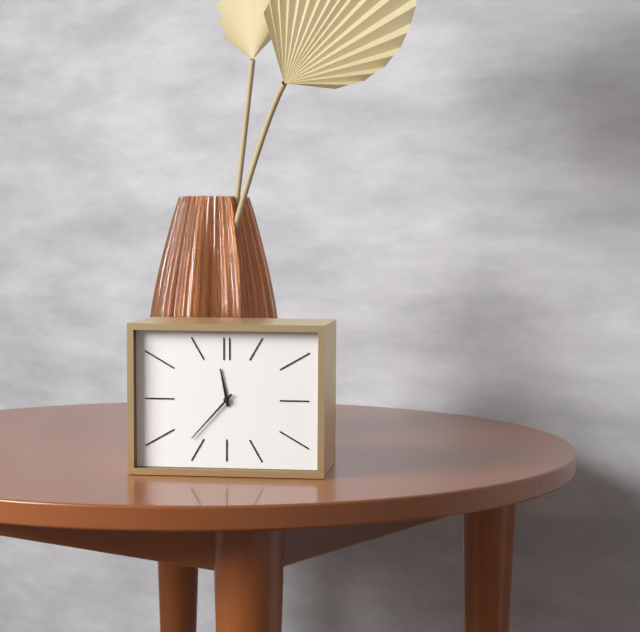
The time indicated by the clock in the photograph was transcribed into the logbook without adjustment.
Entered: 11:37
